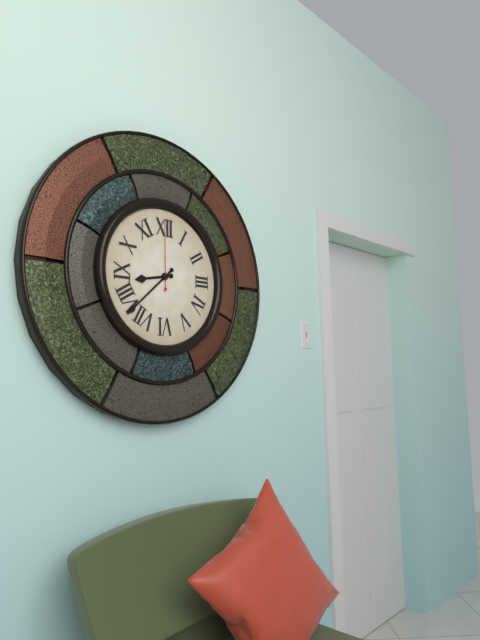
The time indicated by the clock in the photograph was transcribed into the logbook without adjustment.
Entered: 8:38:00
